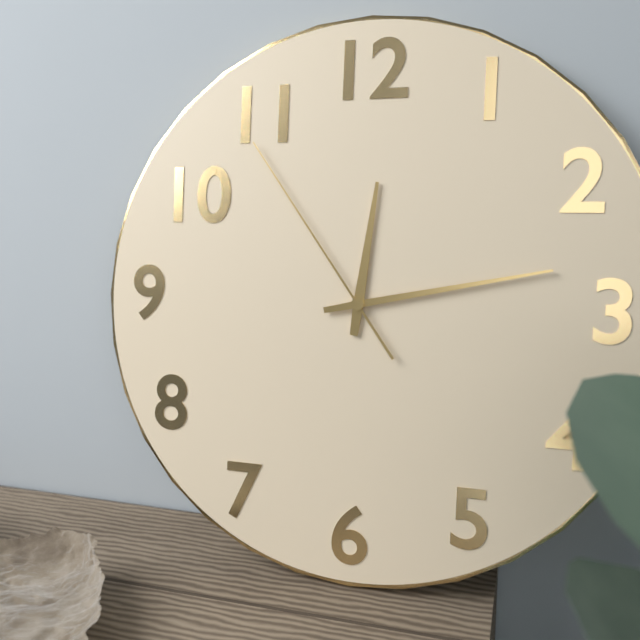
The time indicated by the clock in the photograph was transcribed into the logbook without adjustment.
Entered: 12:13:54
